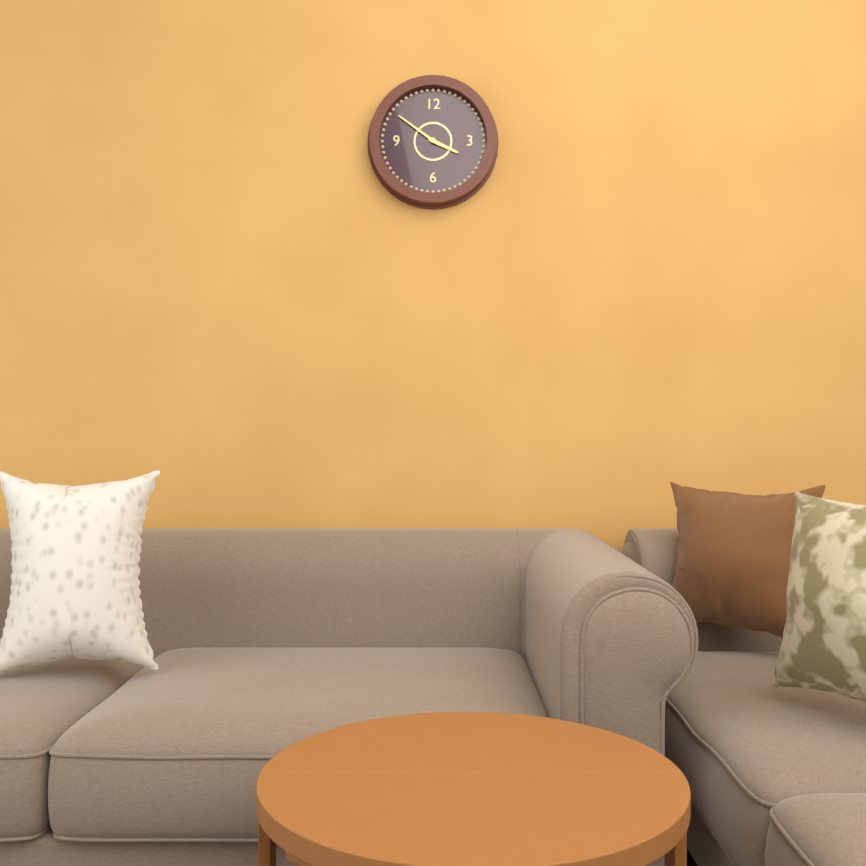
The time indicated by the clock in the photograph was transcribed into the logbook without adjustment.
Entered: 3:51
